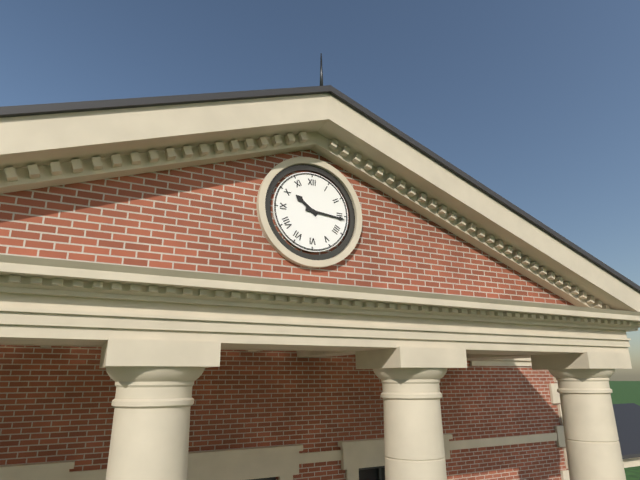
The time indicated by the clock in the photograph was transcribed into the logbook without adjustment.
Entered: 10:16
